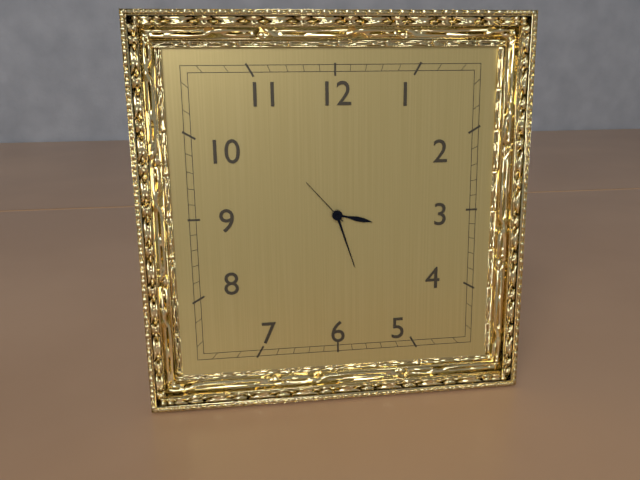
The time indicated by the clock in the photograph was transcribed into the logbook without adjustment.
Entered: 3:27:53
